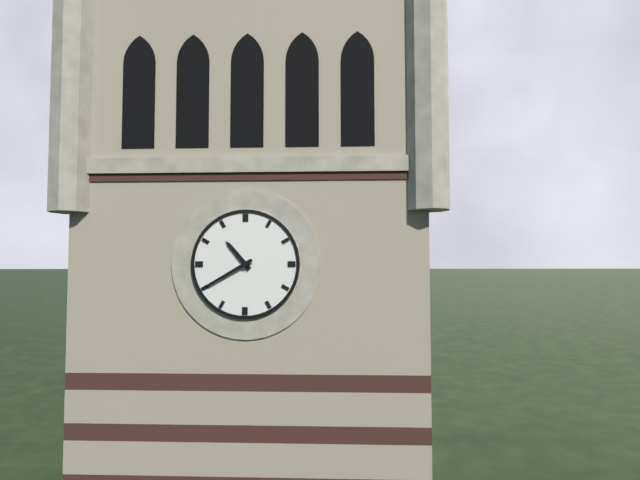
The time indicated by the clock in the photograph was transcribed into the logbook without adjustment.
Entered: 10:40
